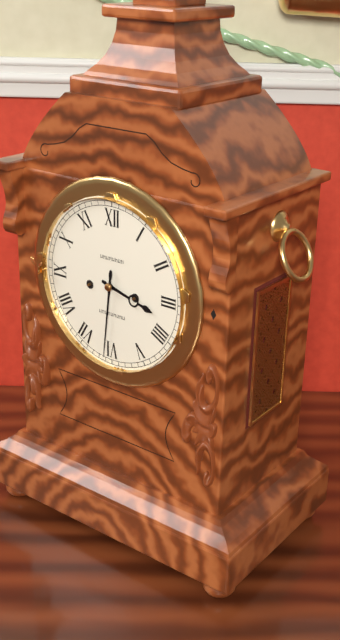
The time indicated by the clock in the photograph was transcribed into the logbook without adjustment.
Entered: 3:31
